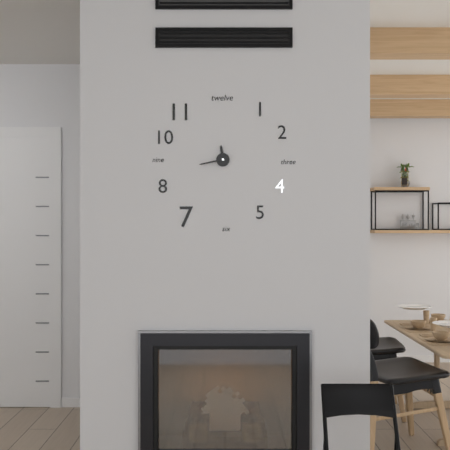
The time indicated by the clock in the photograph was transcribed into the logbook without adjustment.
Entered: 11:43
